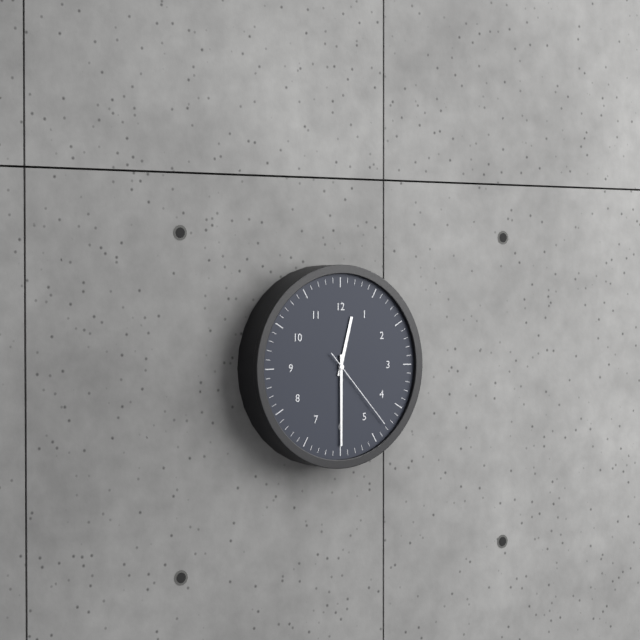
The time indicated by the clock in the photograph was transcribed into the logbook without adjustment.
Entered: 12:30:23
